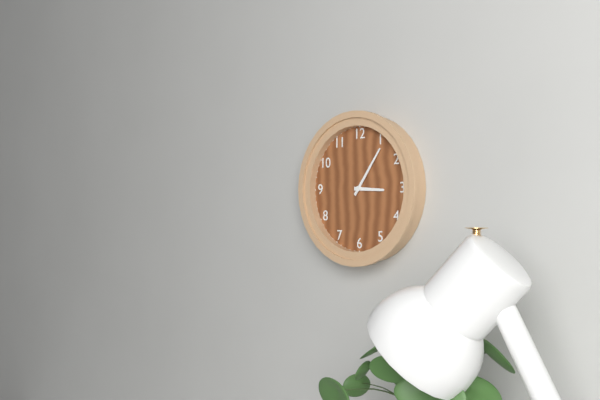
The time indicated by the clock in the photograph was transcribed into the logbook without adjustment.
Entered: 3:06
